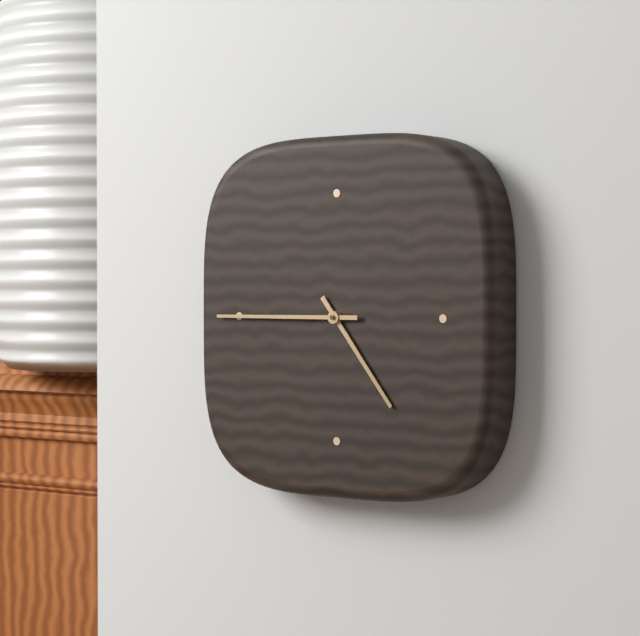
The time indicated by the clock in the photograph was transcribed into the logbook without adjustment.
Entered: 4:45
